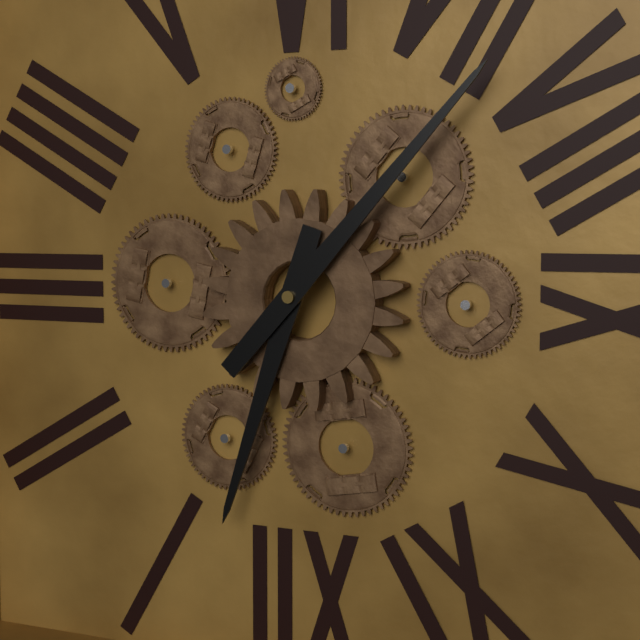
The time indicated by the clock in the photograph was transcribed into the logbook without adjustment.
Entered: 12:37
